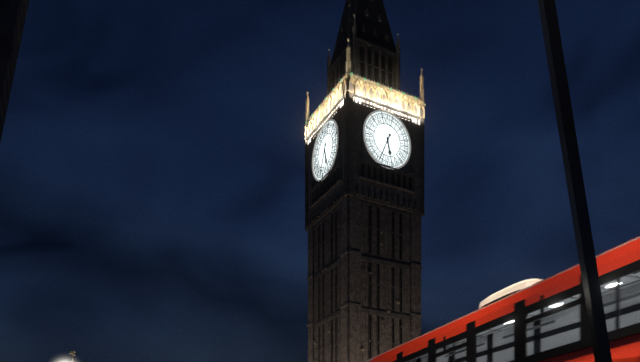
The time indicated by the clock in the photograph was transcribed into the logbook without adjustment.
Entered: 5:34
